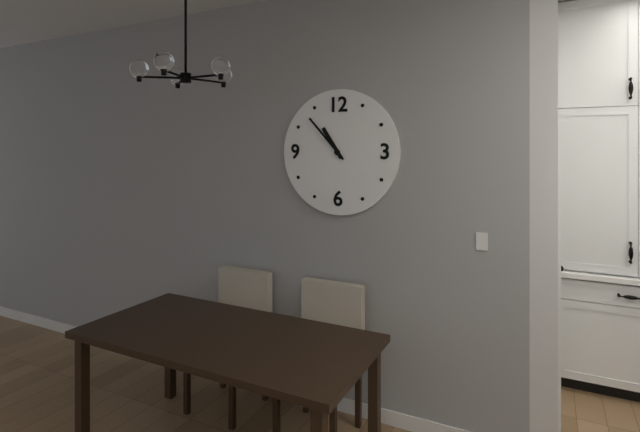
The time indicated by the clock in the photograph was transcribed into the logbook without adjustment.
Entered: 10:53
